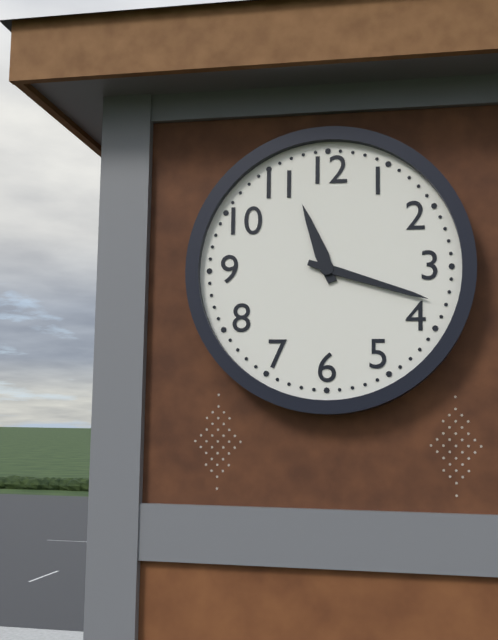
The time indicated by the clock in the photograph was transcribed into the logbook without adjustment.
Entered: 11:18
